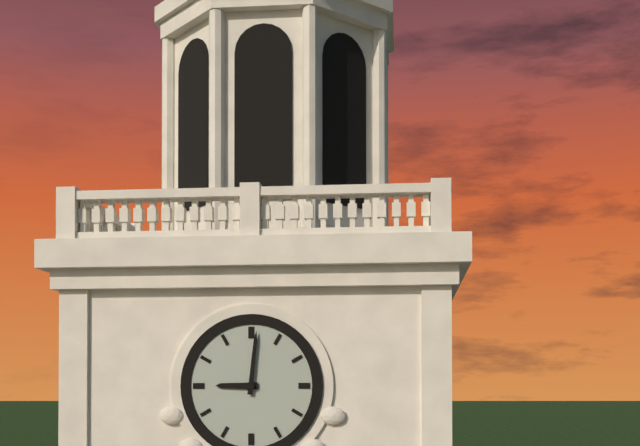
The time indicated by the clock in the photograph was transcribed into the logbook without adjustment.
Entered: 9:01
